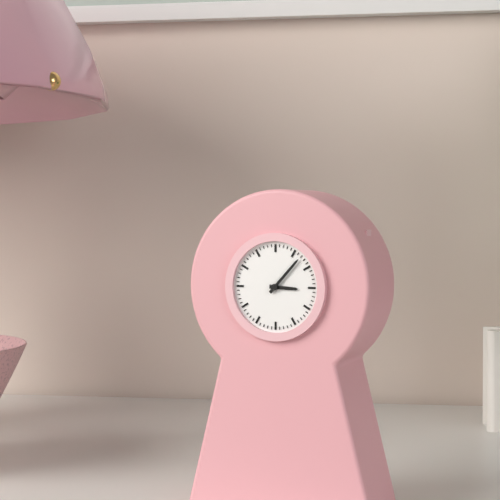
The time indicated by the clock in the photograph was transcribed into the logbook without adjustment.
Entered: 3:07
